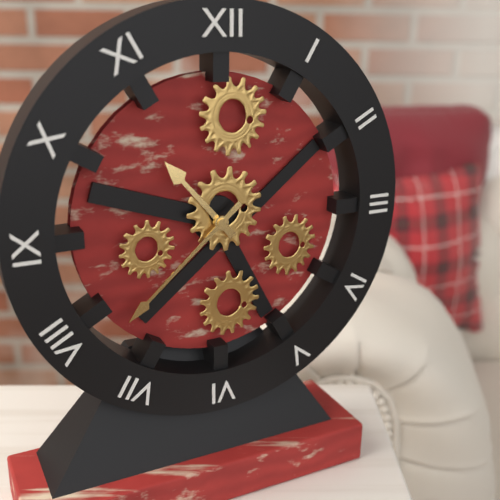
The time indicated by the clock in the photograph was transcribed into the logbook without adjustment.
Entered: 10:38
